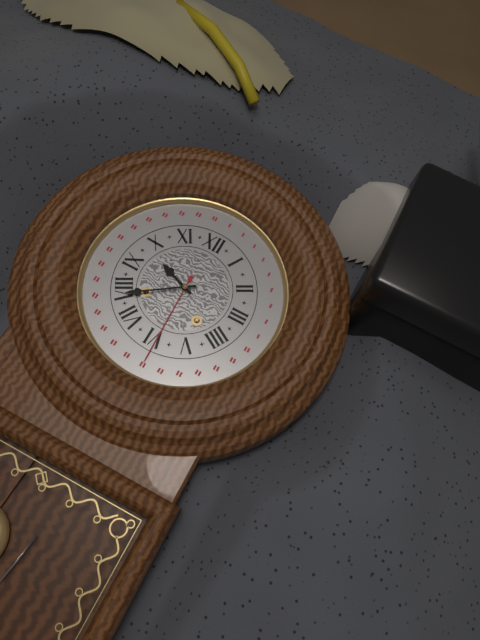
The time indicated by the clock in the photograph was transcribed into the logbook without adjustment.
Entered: 9:39
